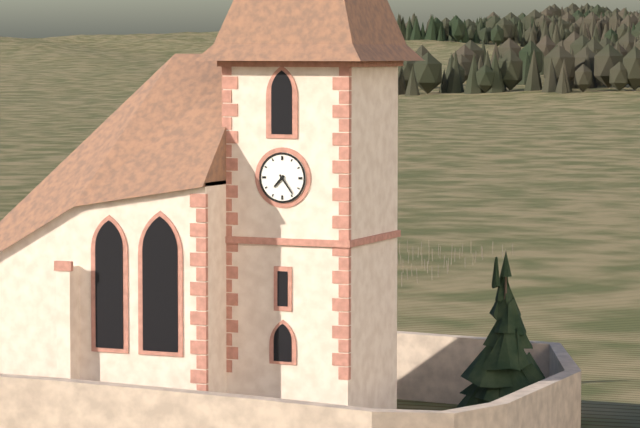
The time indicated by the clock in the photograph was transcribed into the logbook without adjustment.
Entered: 7:24
